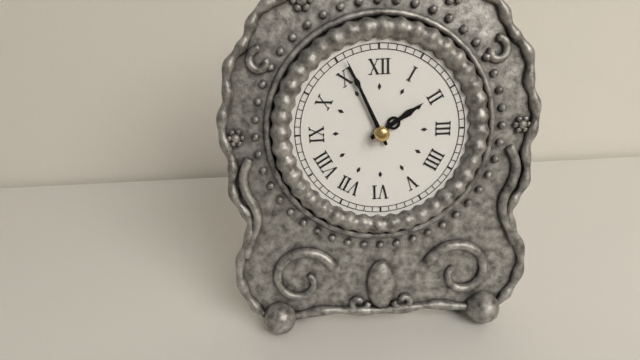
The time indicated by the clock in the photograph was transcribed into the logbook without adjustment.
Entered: 1:56
